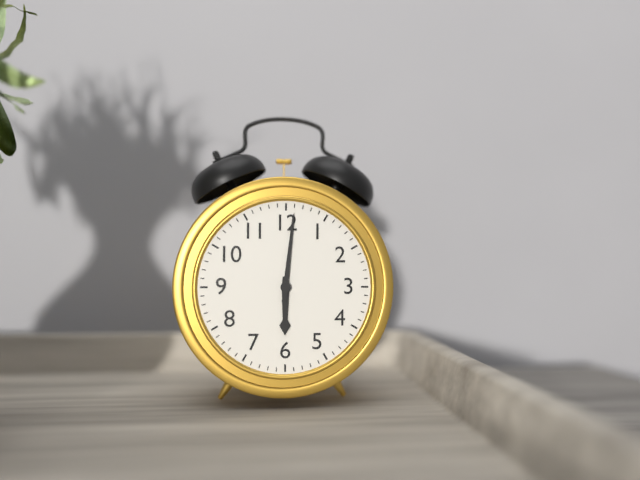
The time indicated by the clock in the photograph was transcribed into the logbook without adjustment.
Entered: 6:01
